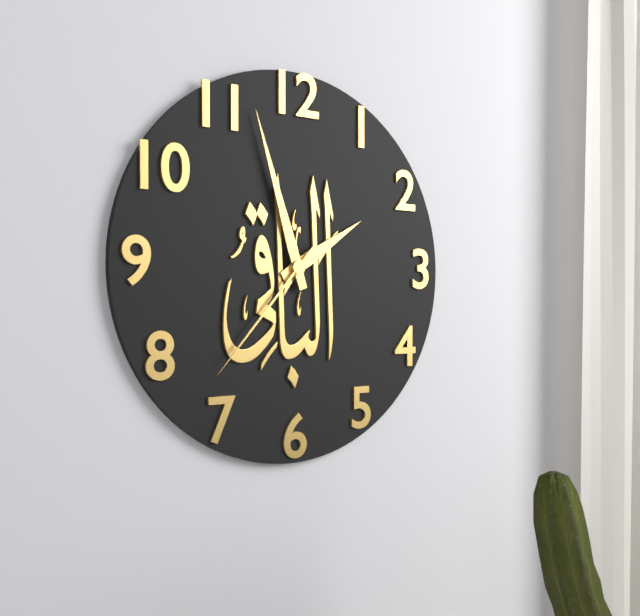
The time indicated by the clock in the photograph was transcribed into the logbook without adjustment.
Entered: 1:57:37
